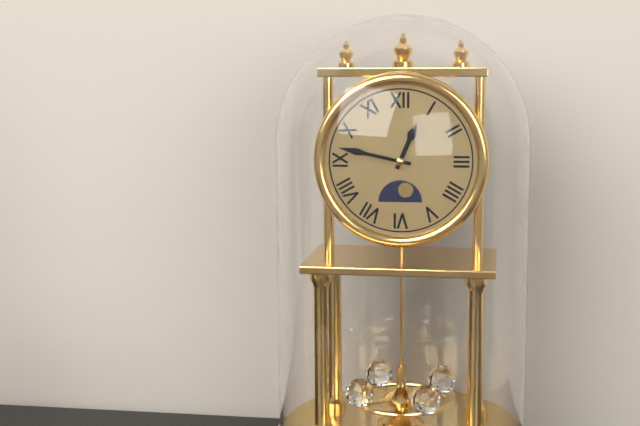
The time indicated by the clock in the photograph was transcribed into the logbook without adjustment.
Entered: 12:47
